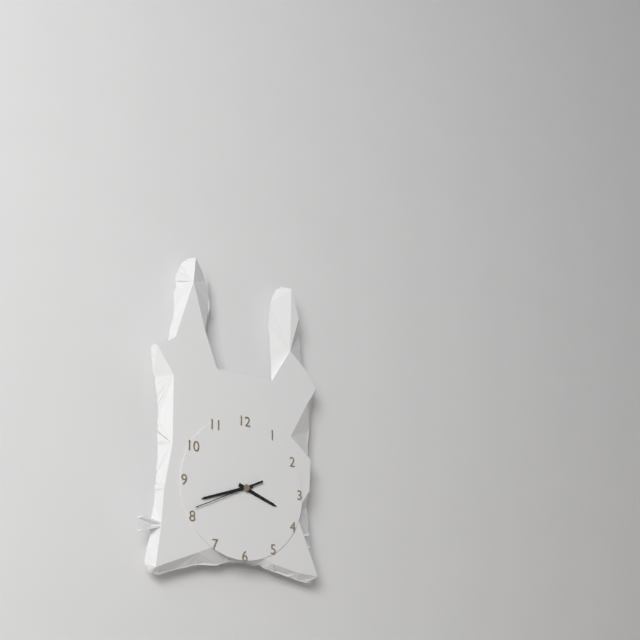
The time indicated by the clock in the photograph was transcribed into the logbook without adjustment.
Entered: 3:42:41
